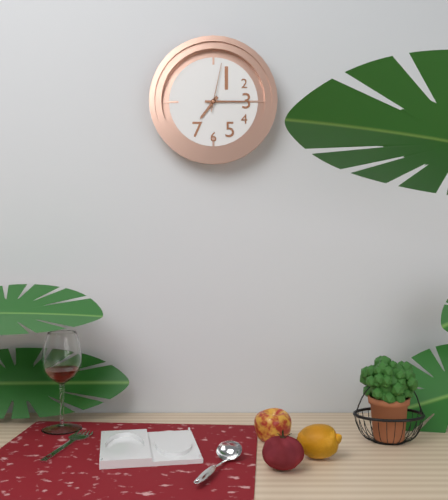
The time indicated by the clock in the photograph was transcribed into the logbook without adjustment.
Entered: 7:15
